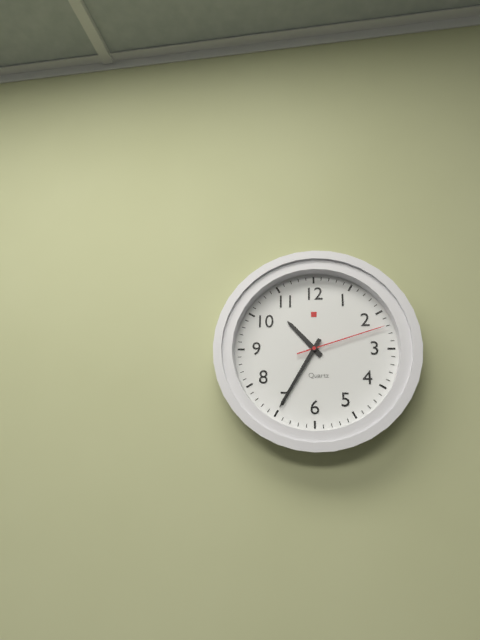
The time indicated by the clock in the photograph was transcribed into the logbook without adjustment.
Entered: 10:35:12
